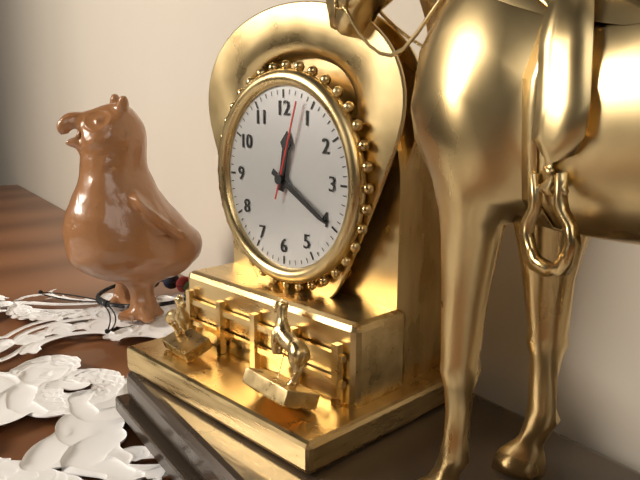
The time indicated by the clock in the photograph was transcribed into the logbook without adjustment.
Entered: 12:20:03
